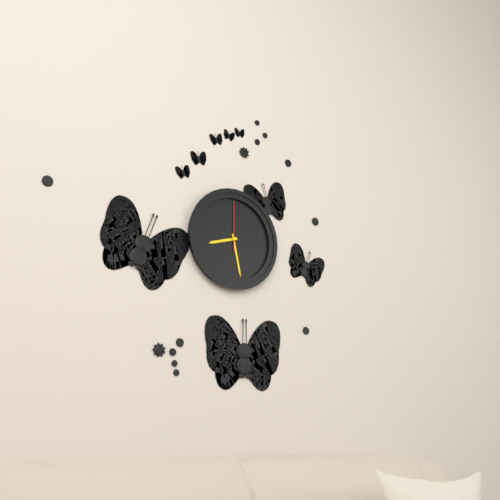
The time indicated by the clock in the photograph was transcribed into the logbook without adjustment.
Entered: 8:28
